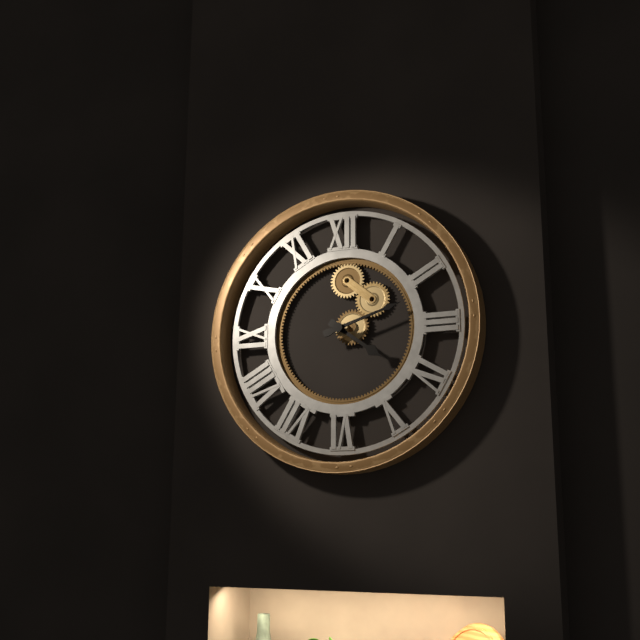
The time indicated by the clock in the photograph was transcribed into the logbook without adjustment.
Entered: 4:12
